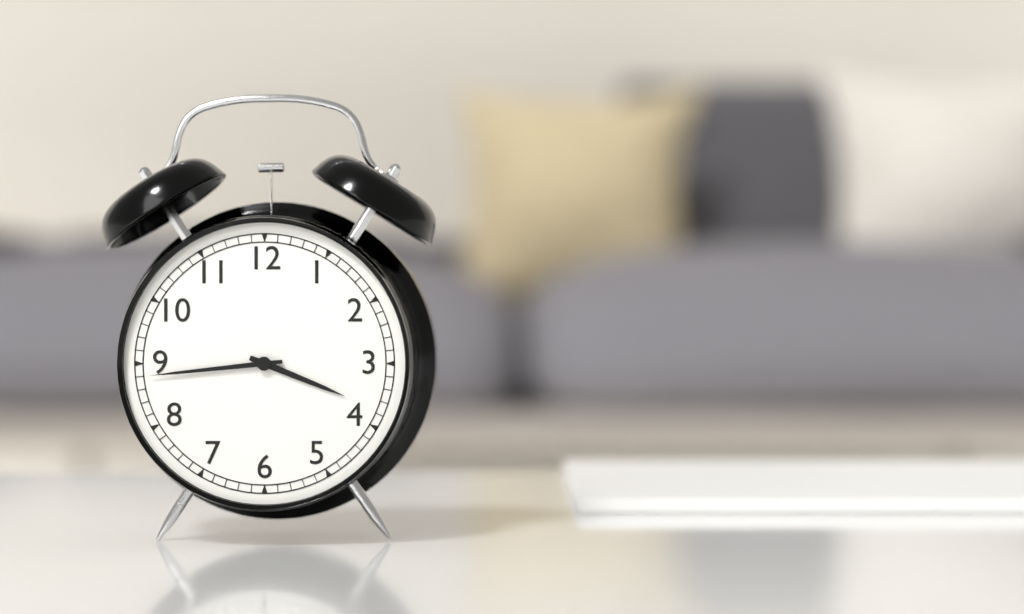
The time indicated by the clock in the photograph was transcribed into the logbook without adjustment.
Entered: 3:44
